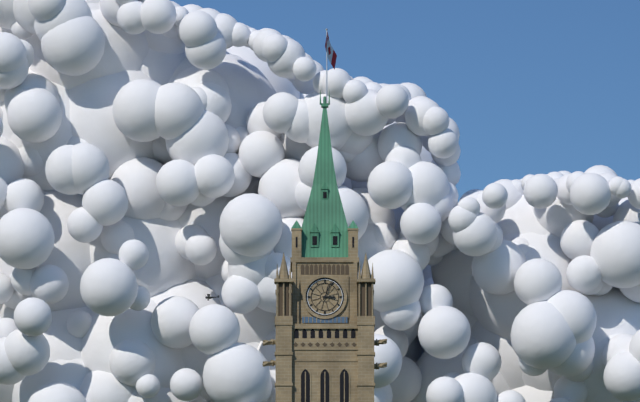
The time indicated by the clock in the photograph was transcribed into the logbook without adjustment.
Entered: 3:04
